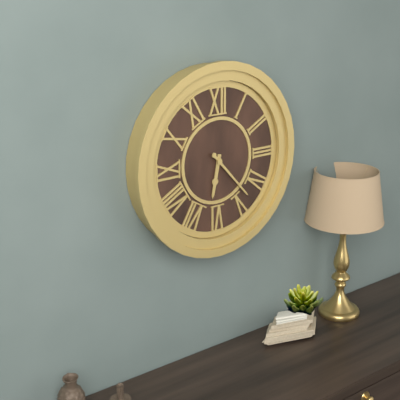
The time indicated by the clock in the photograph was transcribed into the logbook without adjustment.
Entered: 6:23
